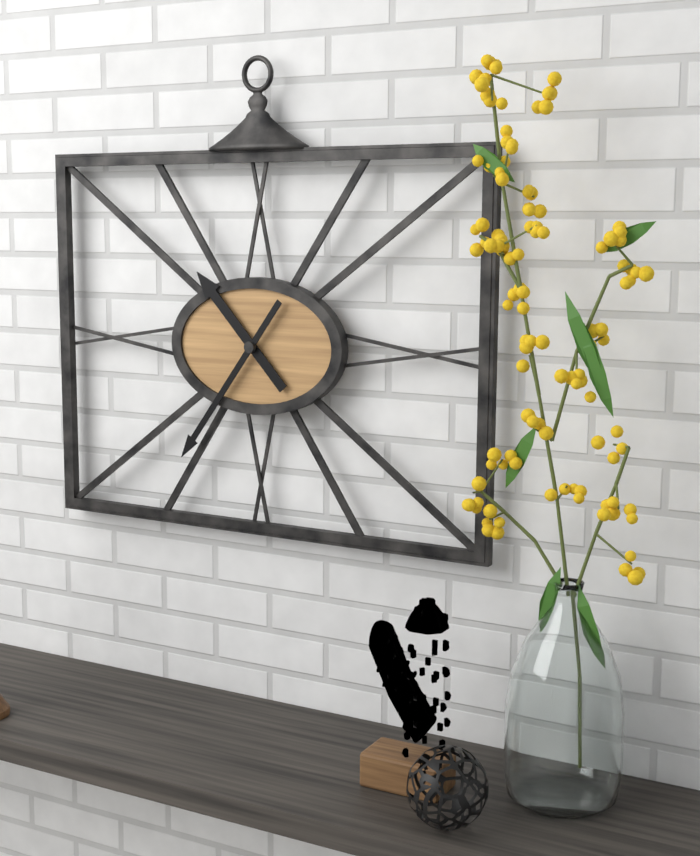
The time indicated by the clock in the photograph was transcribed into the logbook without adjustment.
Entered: 10:36
